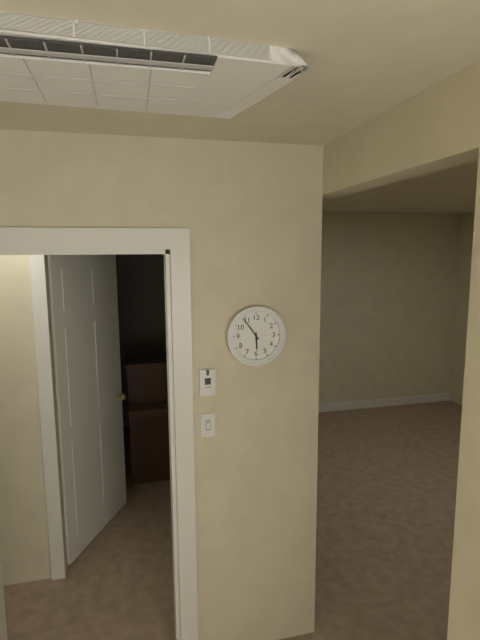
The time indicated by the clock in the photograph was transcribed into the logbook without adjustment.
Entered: 5:54
